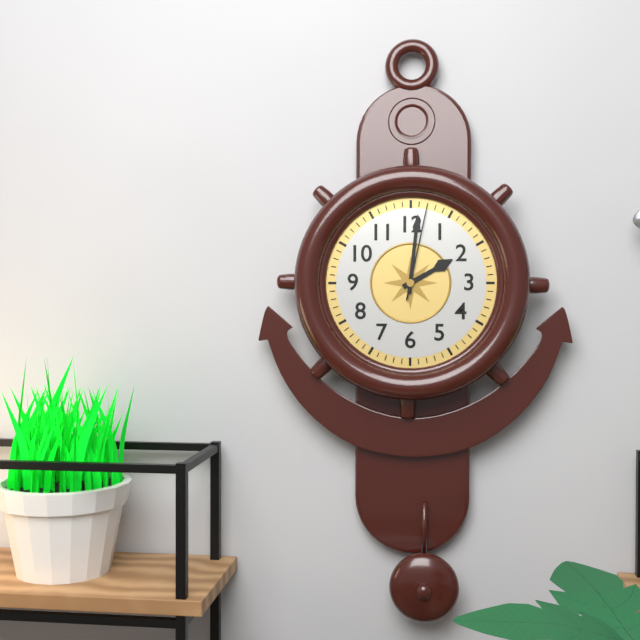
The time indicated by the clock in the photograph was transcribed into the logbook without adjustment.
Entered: 2:01:02
